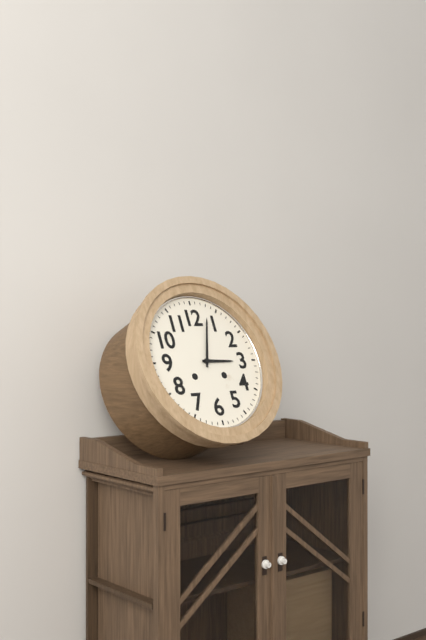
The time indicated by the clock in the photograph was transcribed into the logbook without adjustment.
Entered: 3:03
